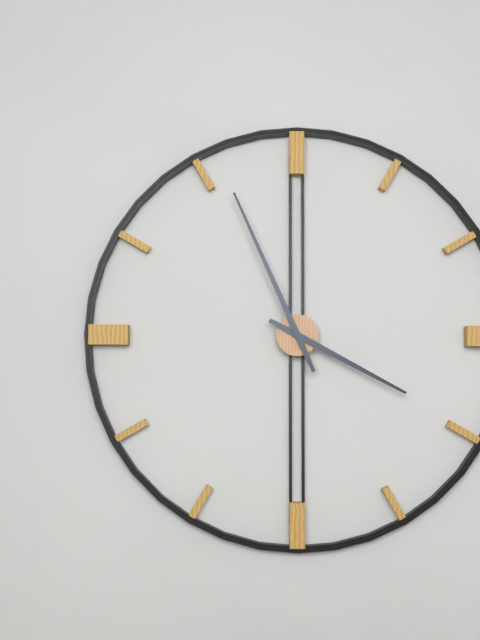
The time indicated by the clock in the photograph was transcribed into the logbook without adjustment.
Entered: 3:56
